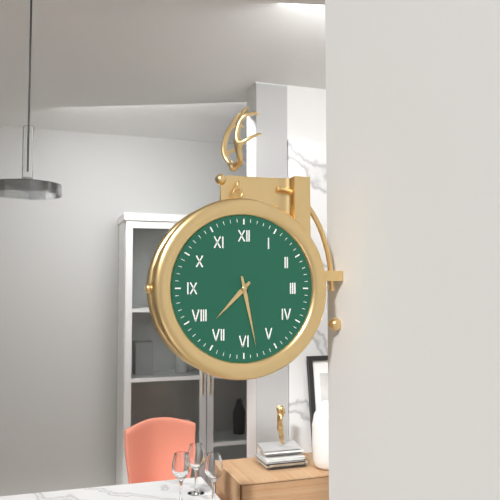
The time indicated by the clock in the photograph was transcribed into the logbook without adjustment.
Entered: 7:28
